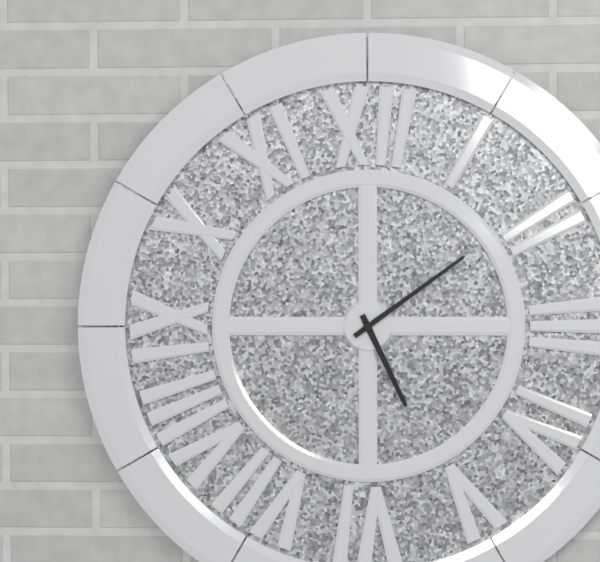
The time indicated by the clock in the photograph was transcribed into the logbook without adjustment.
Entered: 5:09
